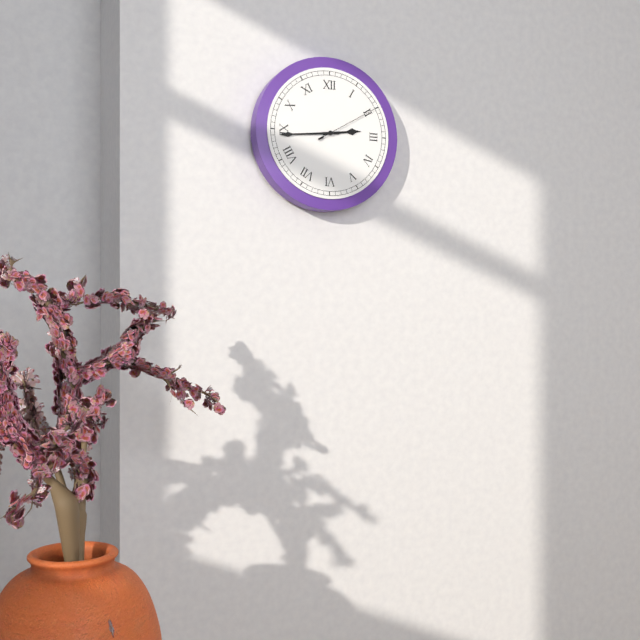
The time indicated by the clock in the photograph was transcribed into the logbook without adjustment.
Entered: 2:44:10
